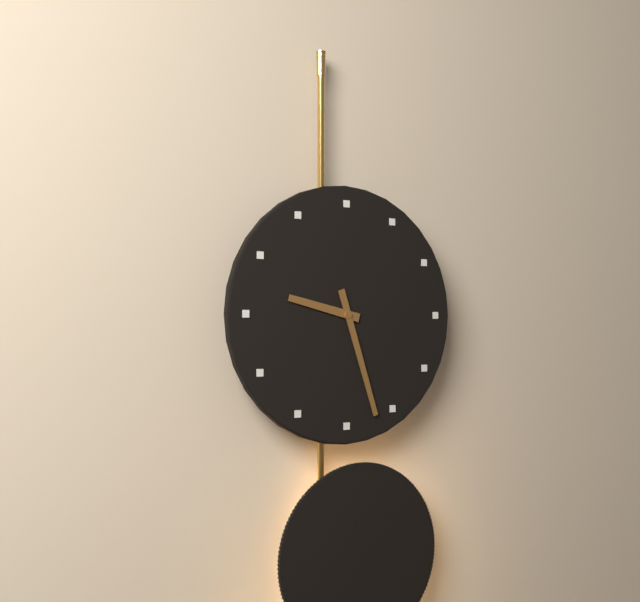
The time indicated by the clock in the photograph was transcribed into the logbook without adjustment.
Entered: 9:27
